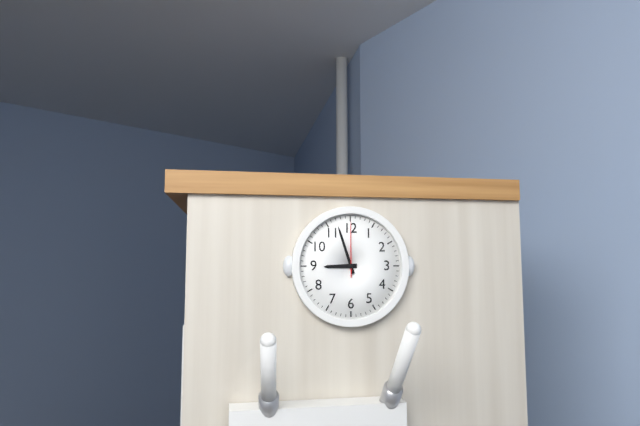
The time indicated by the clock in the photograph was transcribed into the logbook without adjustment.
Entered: 8:57:00
